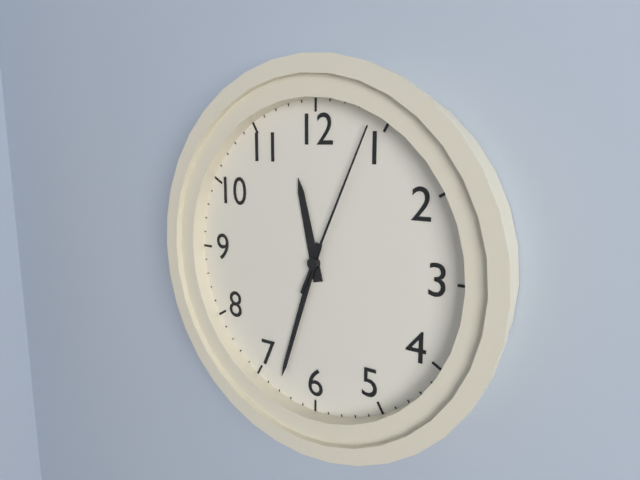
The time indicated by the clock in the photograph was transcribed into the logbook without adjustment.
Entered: 11:33:04
